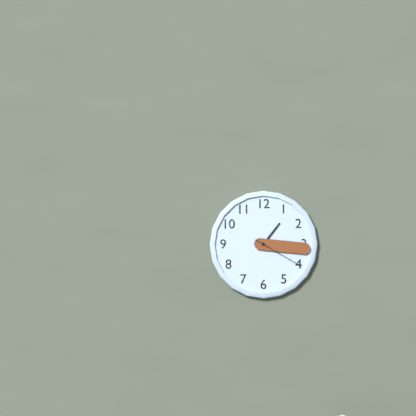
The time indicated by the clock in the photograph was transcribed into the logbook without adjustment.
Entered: 1:16:20
